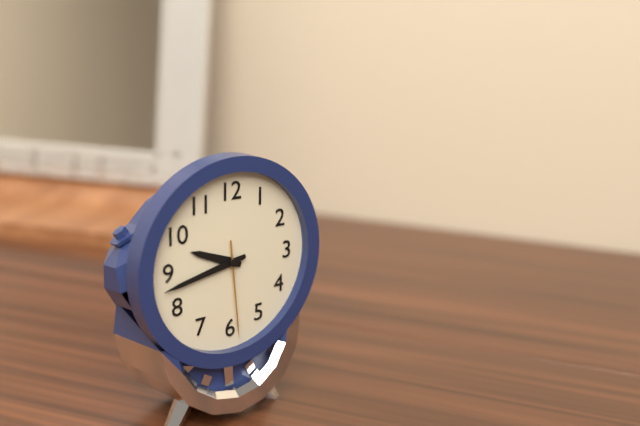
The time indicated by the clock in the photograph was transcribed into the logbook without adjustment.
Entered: 9:43:29
